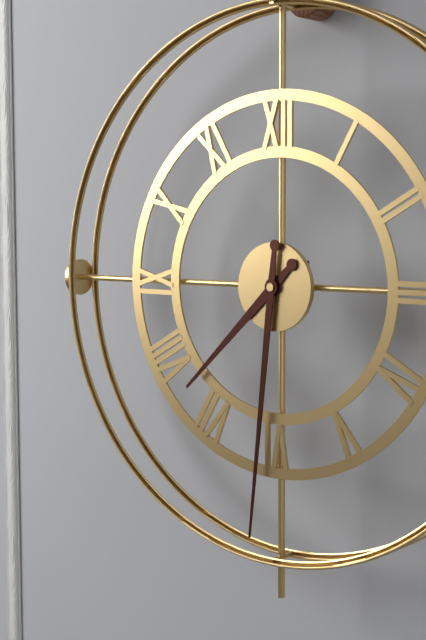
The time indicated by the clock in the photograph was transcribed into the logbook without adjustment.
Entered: 7:31
